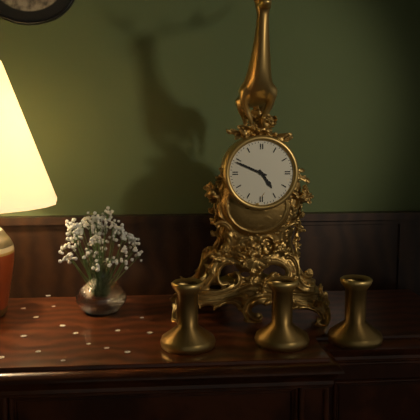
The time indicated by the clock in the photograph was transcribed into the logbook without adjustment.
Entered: 4:49
